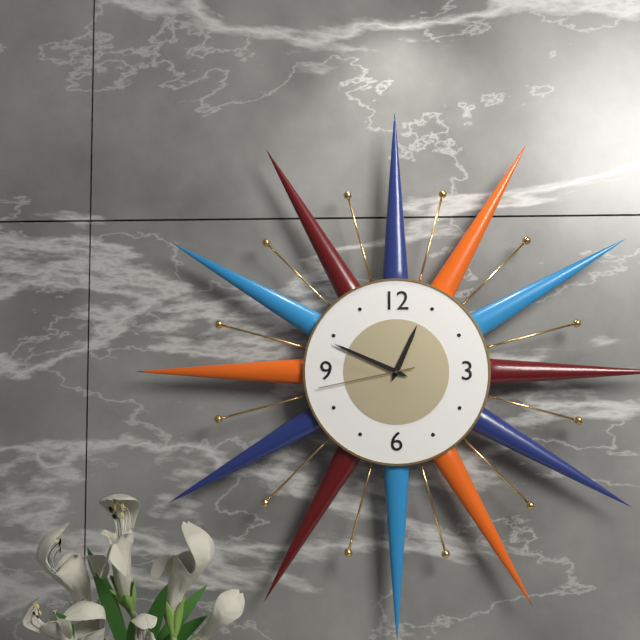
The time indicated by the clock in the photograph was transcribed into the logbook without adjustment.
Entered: 12:49:43
